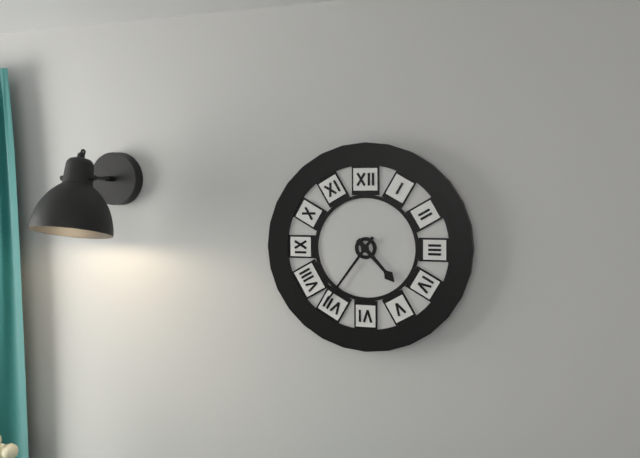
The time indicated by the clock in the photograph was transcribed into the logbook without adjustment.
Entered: 4:36
